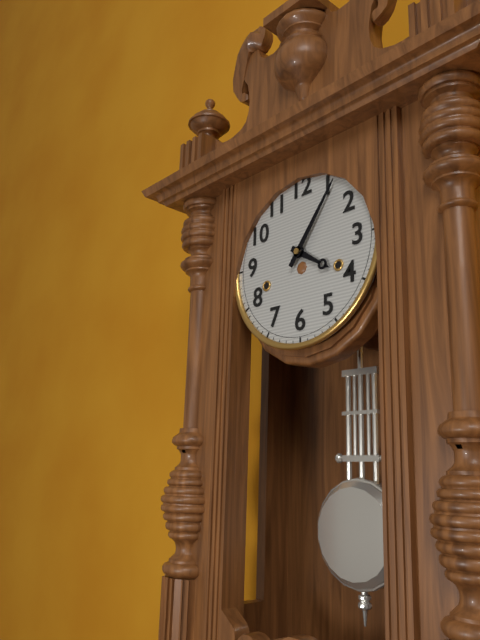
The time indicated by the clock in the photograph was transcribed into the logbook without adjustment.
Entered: 4:06
